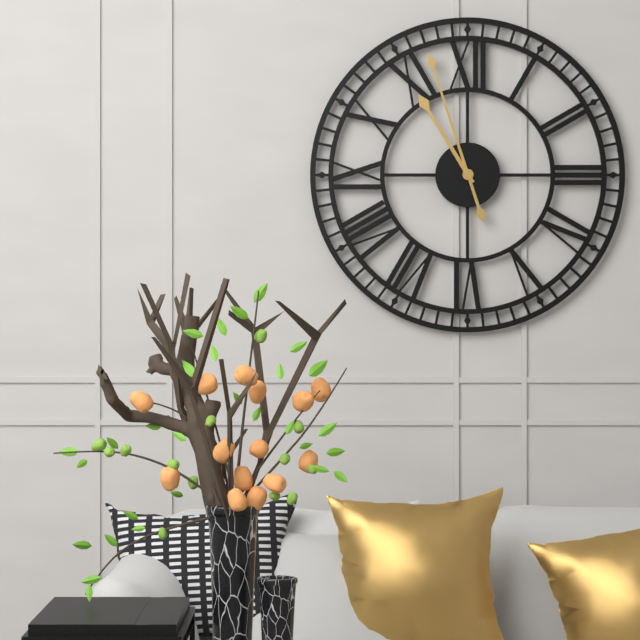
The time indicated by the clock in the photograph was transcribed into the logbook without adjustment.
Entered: 10:57
